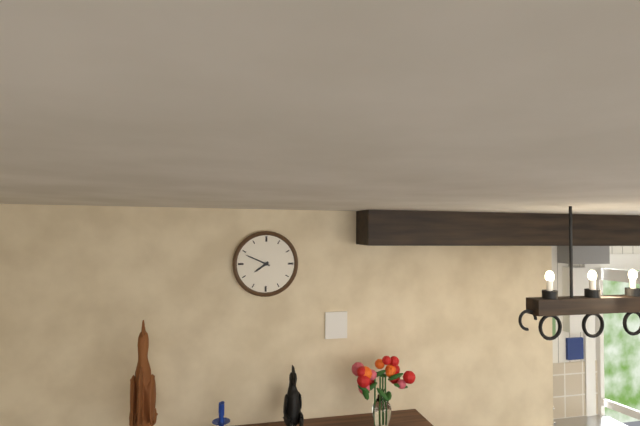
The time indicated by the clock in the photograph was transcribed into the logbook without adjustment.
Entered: 7:49
